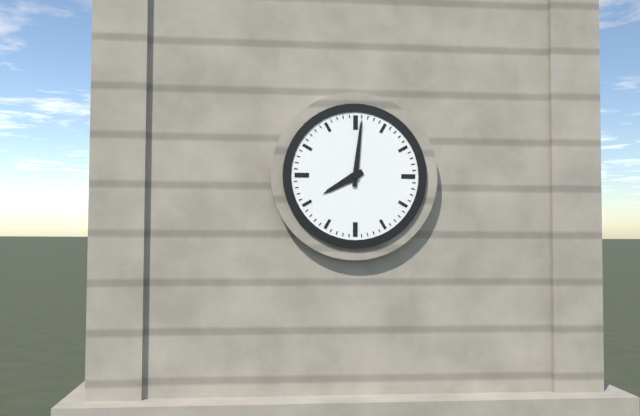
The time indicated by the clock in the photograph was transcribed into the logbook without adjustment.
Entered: 8:01
